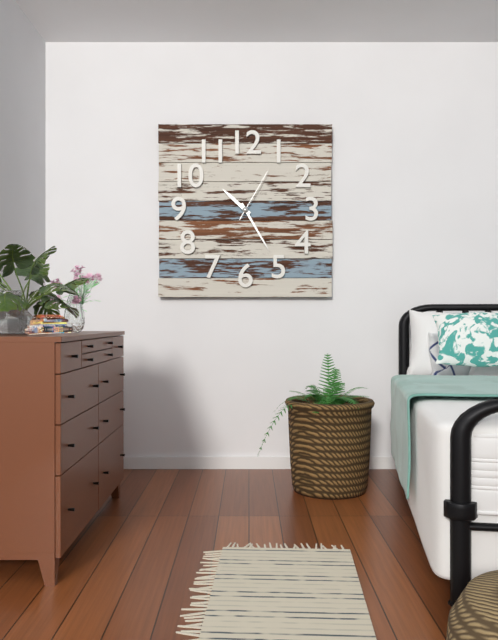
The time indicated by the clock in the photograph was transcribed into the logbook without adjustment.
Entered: 10:25:05
